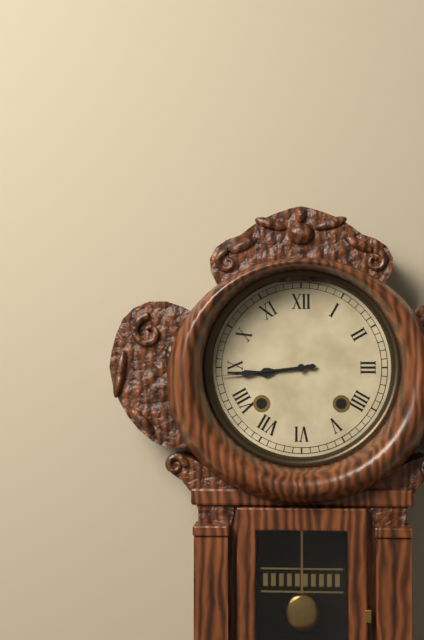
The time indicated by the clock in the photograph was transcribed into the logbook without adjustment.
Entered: 8:44
